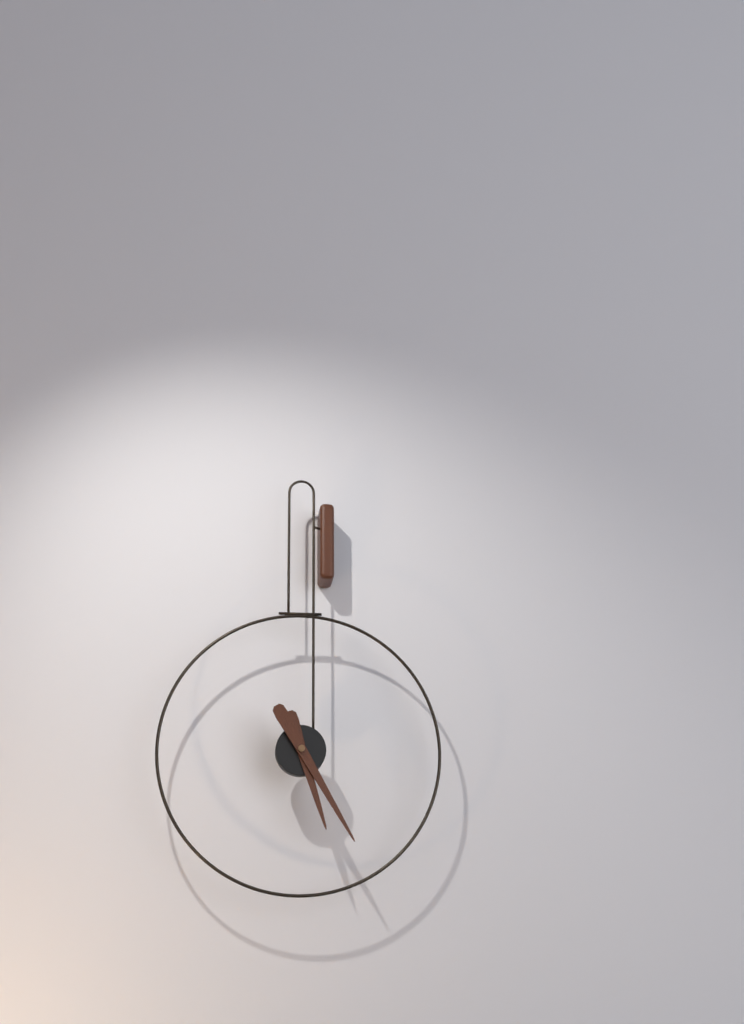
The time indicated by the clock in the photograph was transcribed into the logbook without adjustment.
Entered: 5:25
